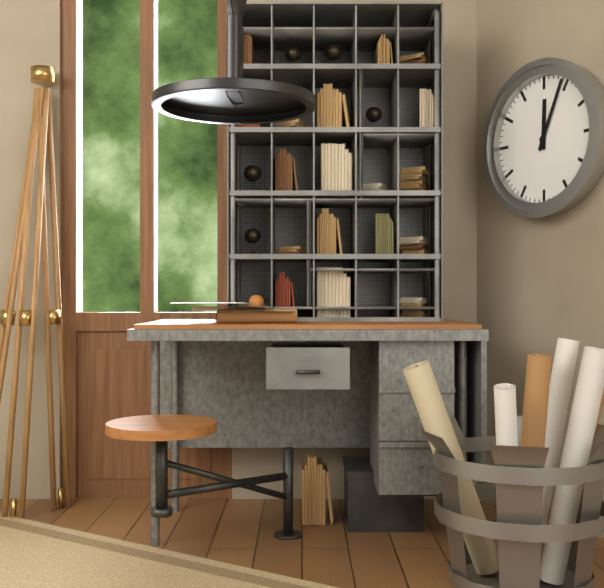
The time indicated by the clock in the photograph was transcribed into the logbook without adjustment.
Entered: 12:04
